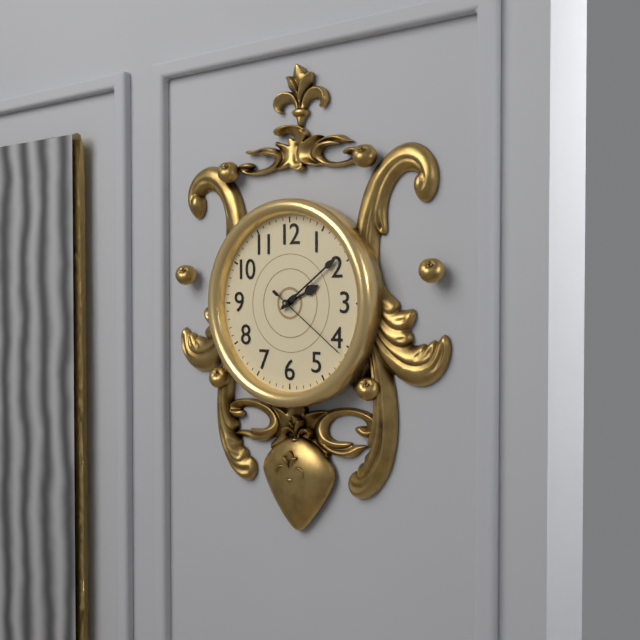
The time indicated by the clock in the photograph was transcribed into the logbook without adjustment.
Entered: 2:09:21
